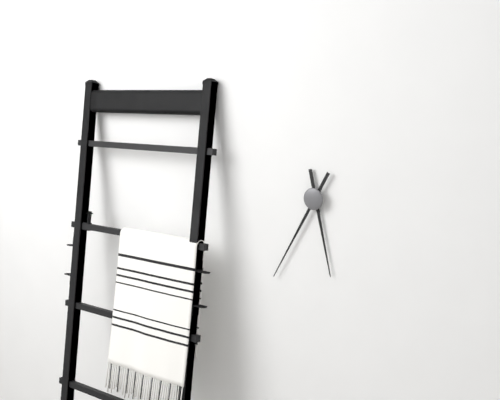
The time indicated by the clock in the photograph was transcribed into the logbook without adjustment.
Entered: 5:35
